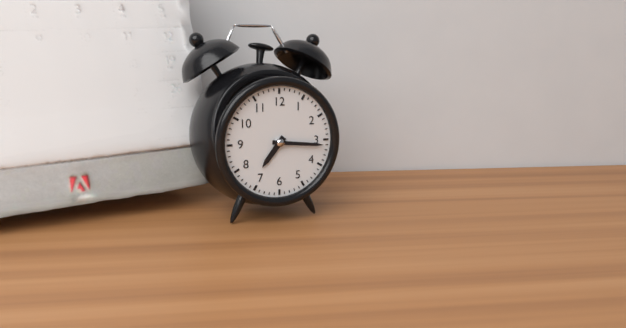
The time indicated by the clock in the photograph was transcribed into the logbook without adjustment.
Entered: 7:16
